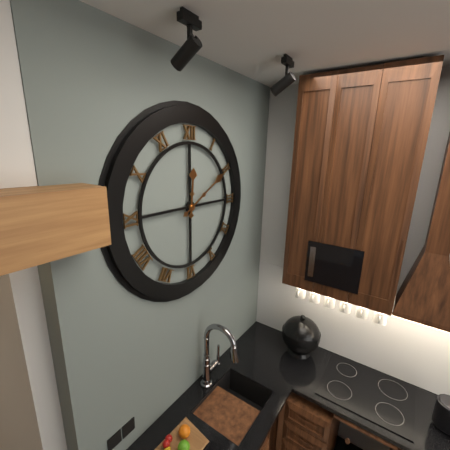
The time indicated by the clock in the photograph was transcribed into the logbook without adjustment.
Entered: 12:10
